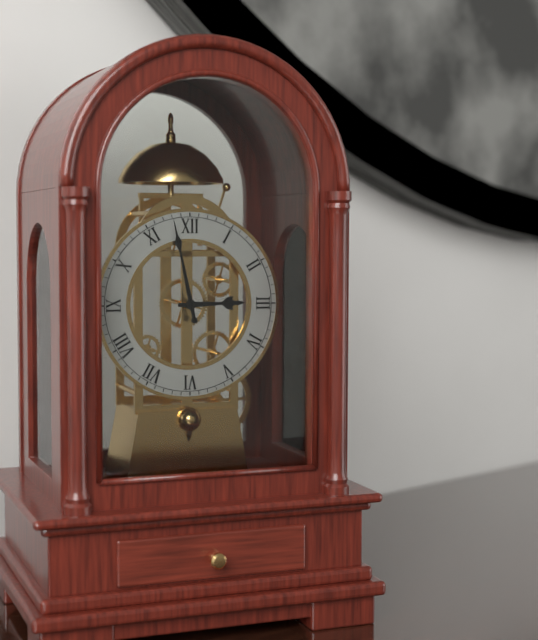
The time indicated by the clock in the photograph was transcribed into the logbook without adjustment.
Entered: 2:58
